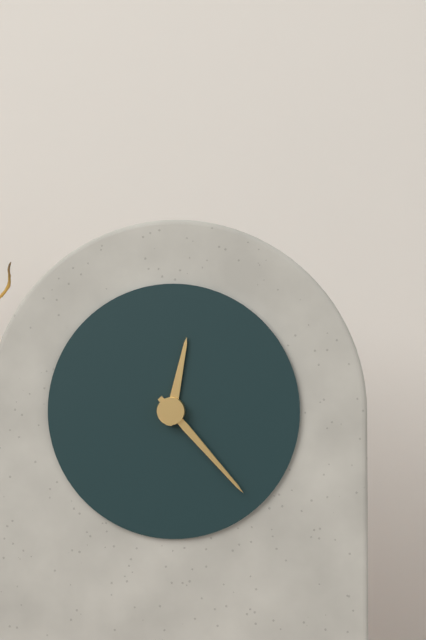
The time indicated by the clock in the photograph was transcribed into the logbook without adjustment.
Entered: 12:23
